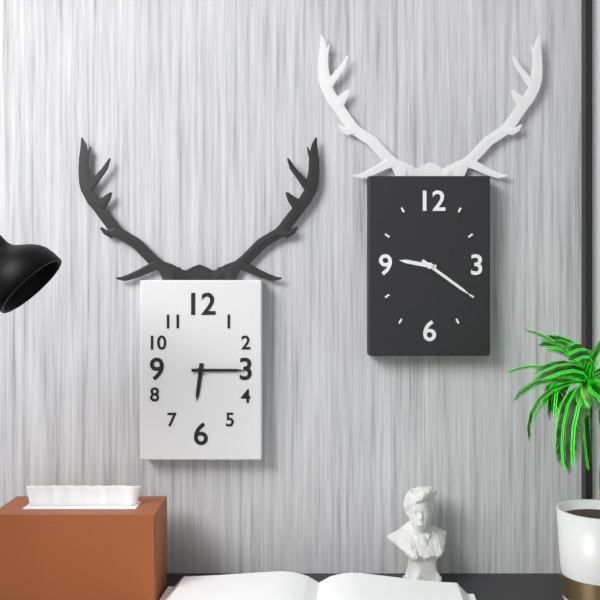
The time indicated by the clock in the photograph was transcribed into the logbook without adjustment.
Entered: 6:15
